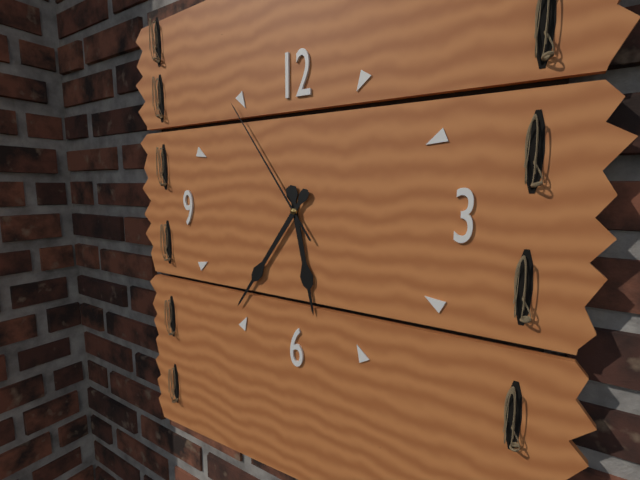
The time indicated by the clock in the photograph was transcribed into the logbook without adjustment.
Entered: 5:36:54
